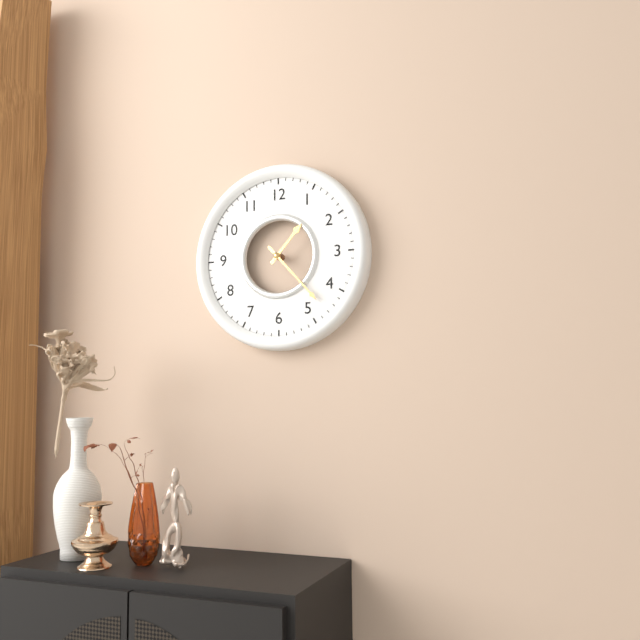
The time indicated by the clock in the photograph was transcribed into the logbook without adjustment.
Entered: 1:23
